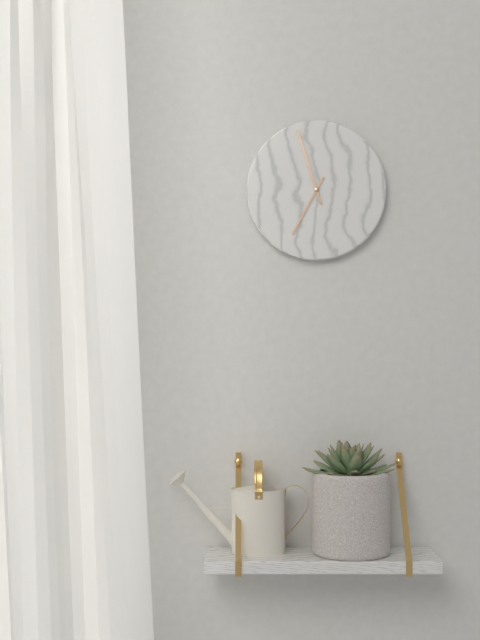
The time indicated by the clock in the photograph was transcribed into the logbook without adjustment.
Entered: 6:57
